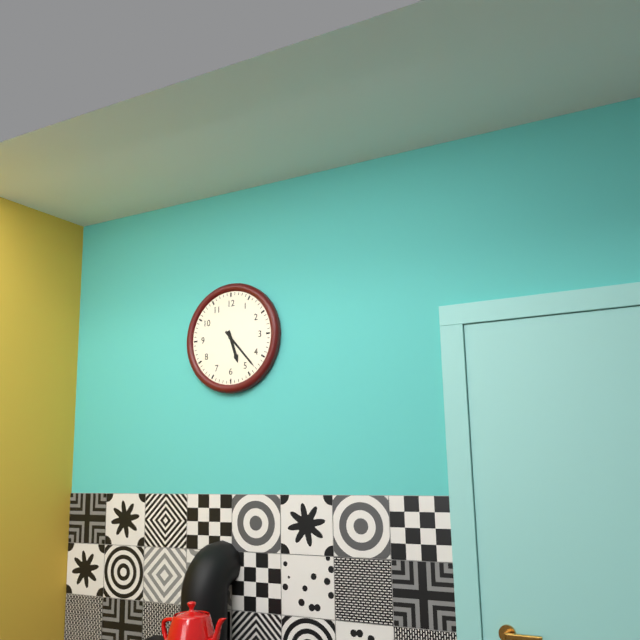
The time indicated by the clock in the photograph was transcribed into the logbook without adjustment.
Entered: 5:23
